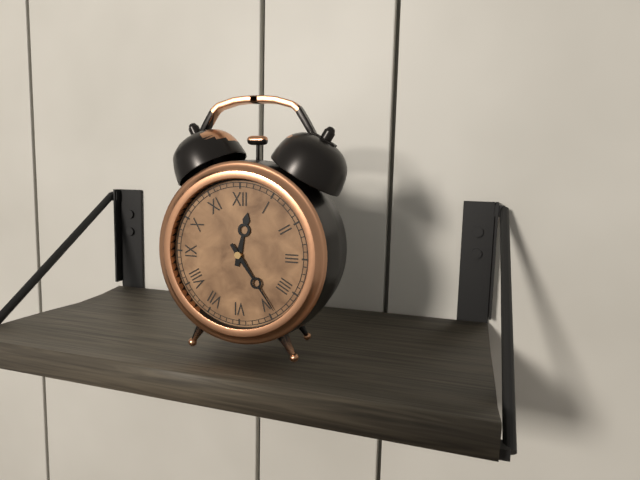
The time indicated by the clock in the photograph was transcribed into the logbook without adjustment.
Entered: 12:24
